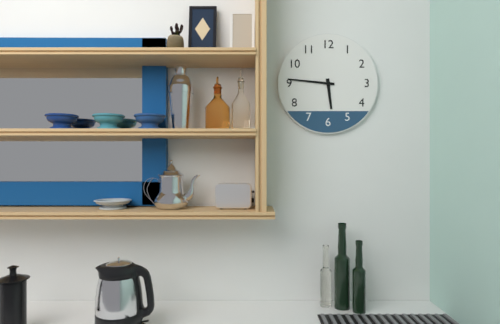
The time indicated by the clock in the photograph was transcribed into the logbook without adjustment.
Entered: 5:46
